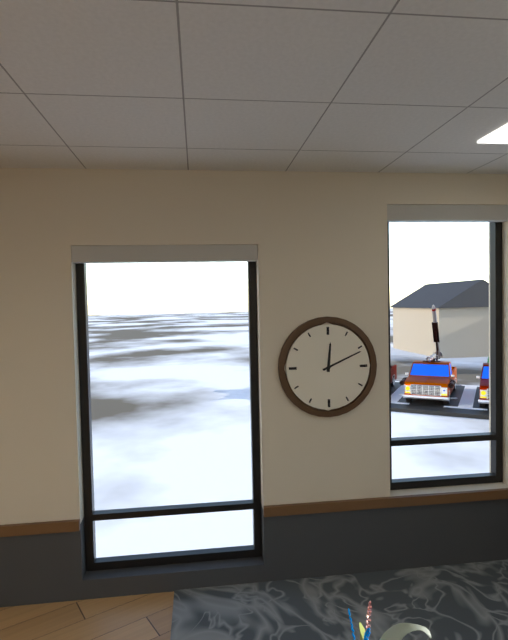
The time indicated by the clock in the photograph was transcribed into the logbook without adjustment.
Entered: 12:11
